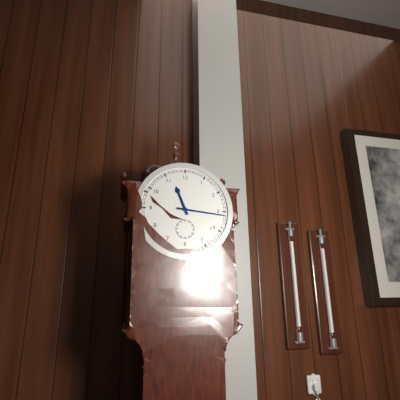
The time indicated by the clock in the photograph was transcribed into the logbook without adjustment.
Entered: 11:16
